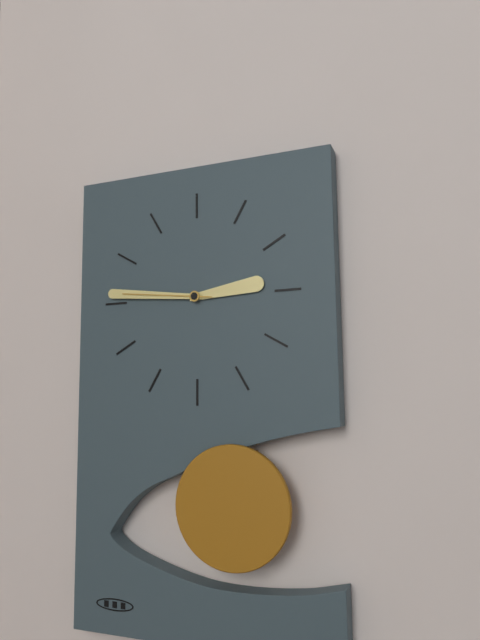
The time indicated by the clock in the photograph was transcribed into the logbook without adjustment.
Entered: 2:46:46
